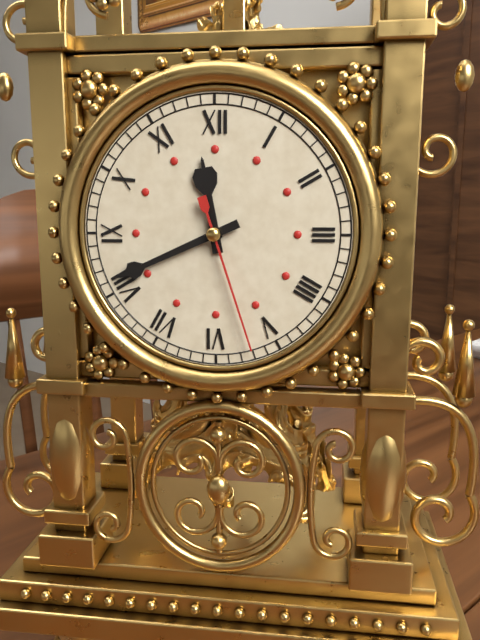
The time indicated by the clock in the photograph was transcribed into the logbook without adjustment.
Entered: 11:41:27
